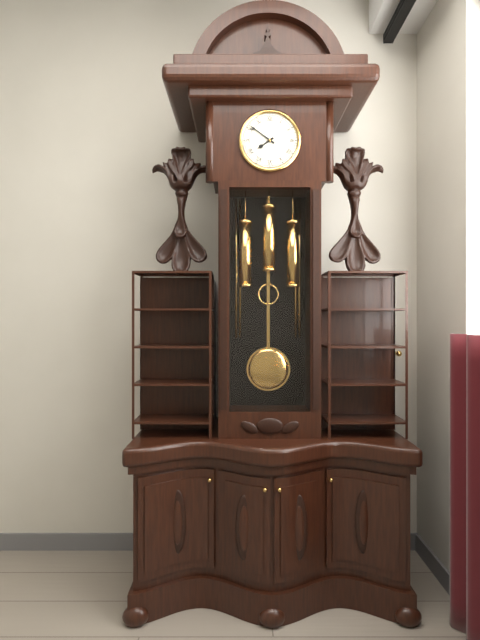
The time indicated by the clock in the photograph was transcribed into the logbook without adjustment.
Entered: 7:51
